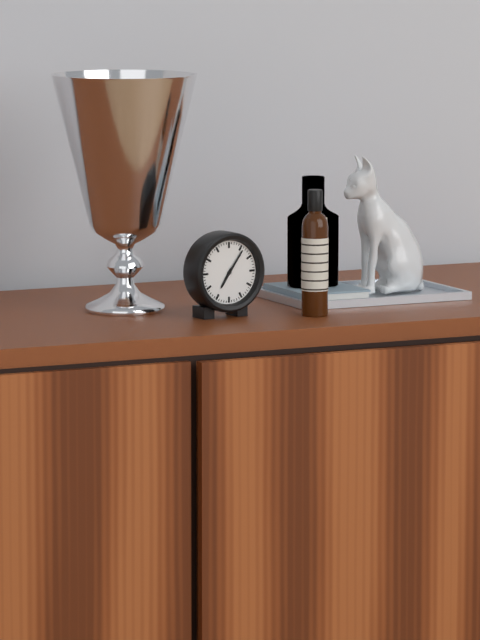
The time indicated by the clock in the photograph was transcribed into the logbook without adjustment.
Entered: 7:06
